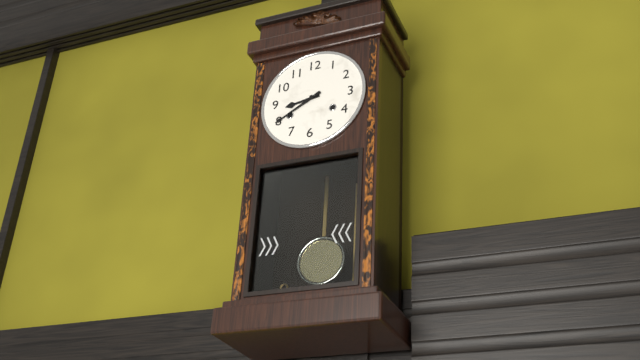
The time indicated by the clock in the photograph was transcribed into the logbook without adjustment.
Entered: 8:40
